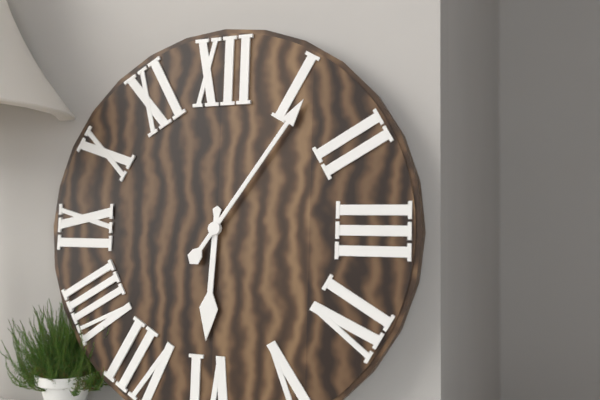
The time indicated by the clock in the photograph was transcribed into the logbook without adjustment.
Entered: 6:06
